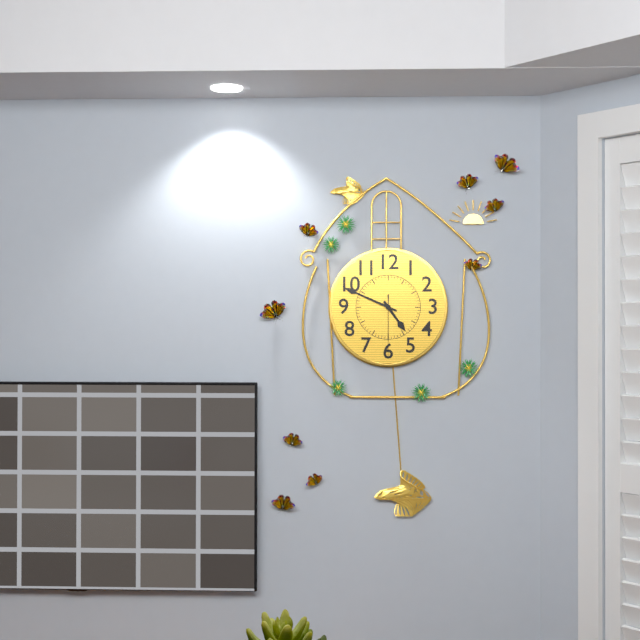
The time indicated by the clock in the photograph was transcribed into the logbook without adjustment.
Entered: 4:49:30
